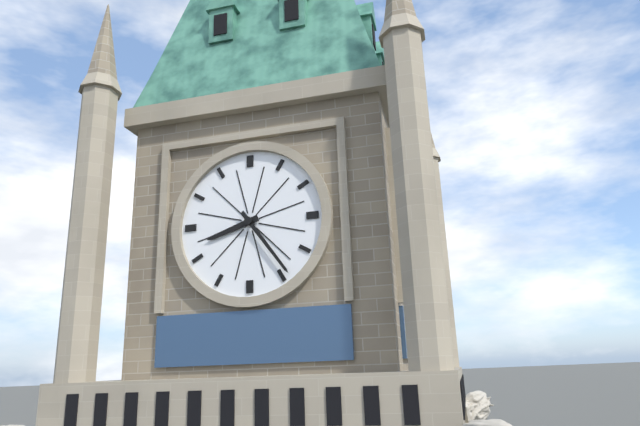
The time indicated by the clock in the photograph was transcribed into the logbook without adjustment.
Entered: 8:24
